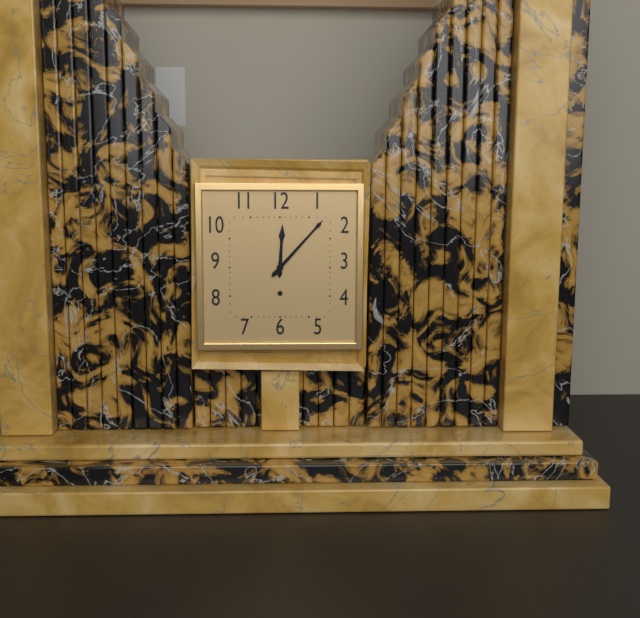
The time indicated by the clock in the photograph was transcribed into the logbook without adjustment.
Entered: 12:07
